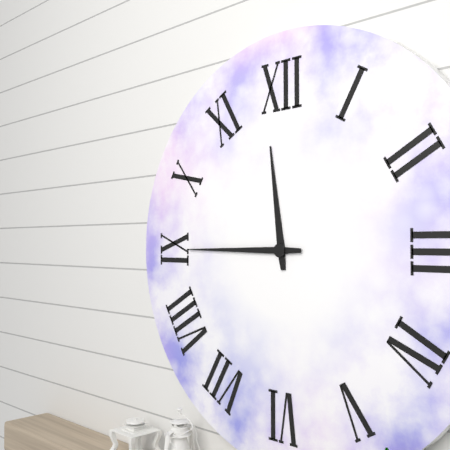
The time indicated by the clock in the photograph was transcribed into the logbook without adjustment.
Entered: 11:45
